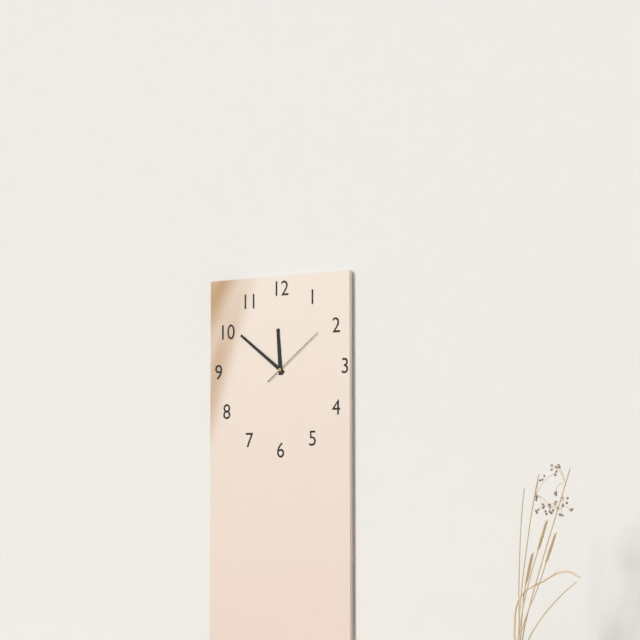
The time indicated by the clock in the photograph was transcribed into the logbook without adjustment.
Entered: 11:51:09
